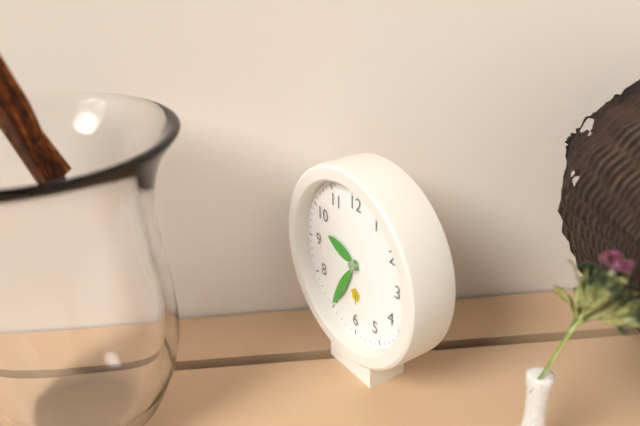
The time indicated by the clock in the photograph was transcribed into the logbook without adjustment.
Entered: 9:35
